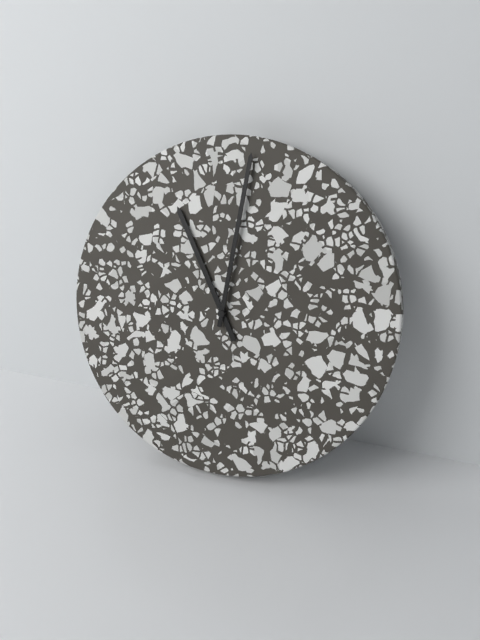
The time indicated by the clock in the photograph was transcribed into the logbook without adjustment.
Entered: 11:01
